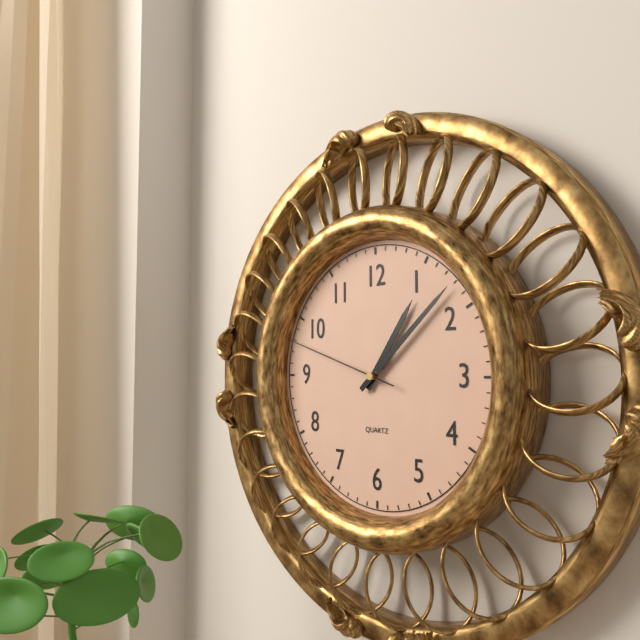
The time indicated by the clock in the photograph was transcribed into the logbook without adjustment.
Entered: 1:08:48
